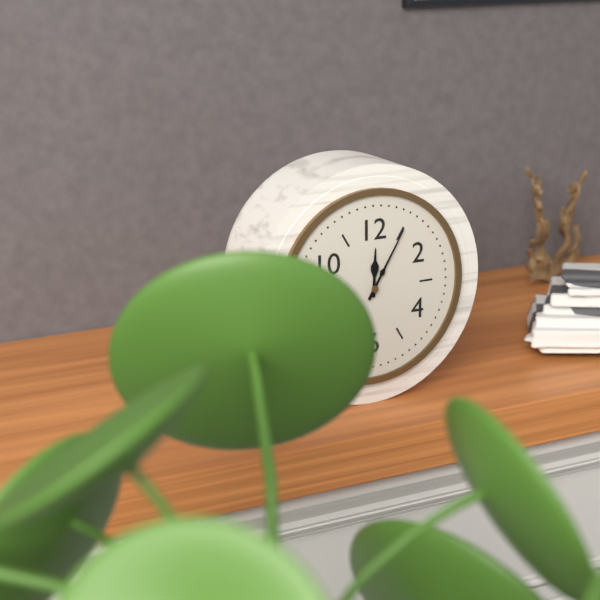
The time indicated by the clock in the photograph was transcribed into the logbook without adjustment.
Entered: 12:05
